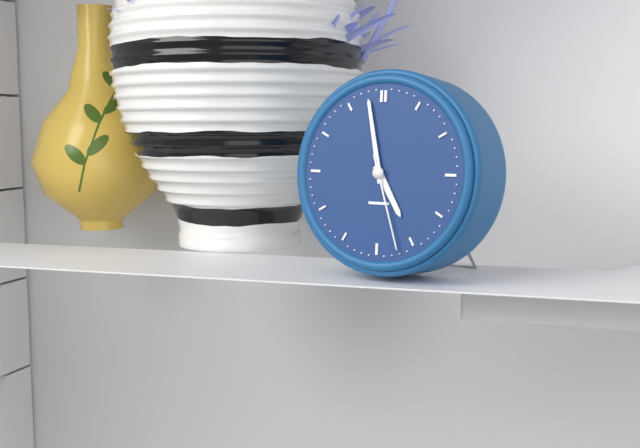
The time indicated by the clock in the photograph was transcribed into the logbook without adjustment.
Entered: 4:58:27
